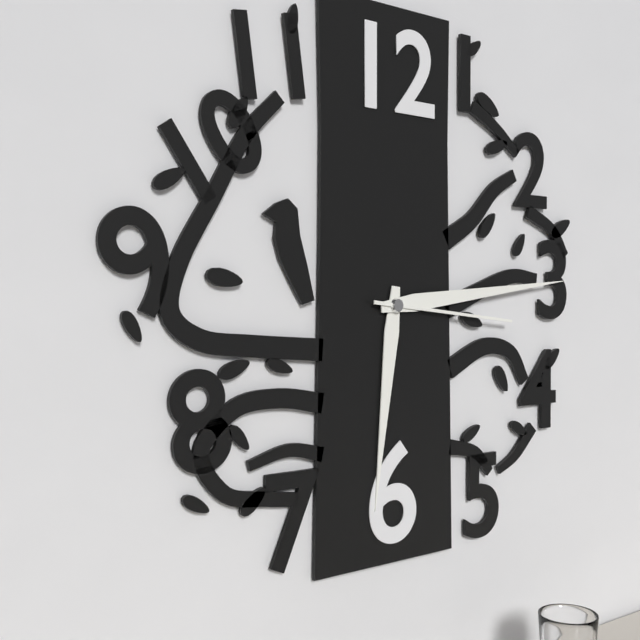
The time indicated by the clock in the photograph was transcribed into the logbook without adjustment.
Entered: 6:14:16
